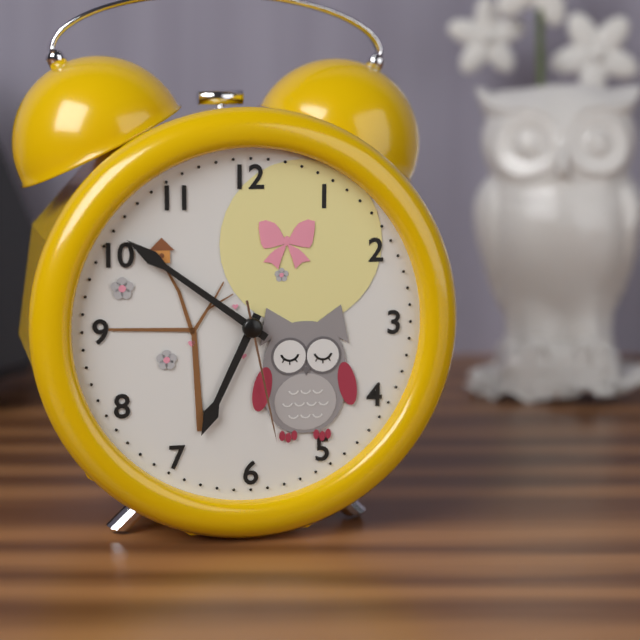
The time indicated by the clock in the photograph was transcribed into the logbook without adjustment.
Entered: 6:51:28
